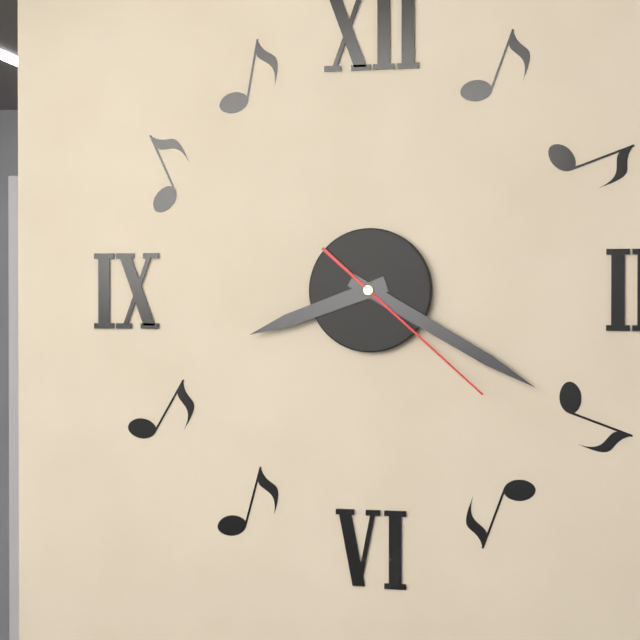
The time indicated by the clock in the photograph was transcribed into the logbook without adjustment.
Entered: 8:20:22
